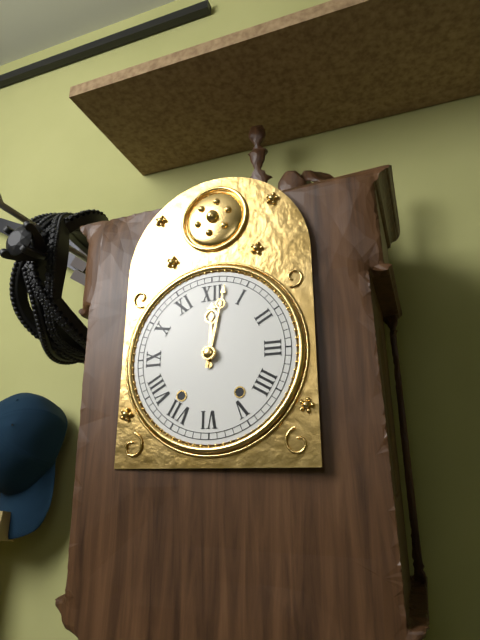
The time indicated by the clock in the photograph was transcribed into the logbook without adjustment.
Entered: 12:02
